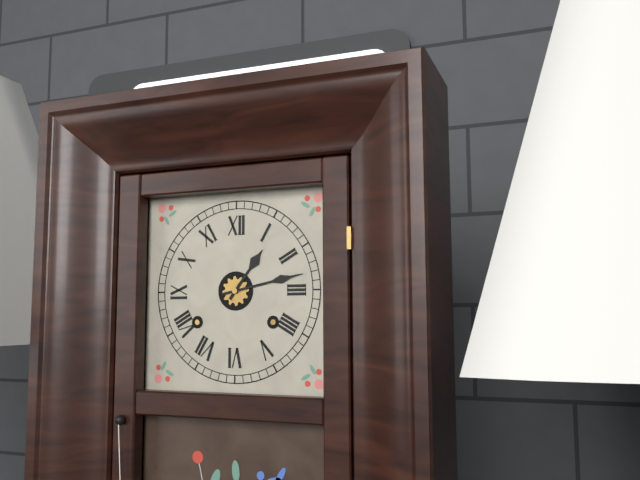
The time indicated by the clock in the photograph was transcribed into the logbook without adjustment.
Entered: 1:13
